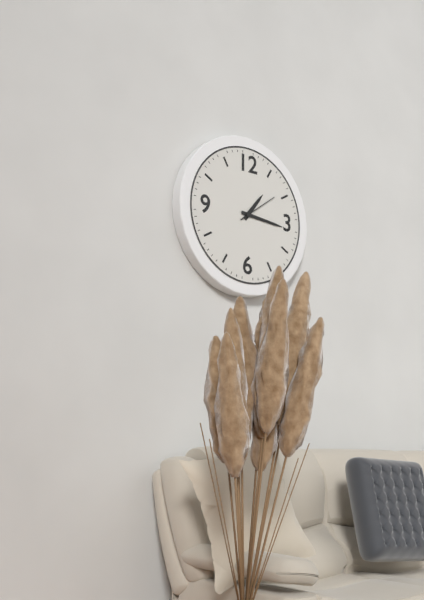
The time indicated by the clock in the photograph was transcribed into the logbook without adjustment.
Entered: 1:16
